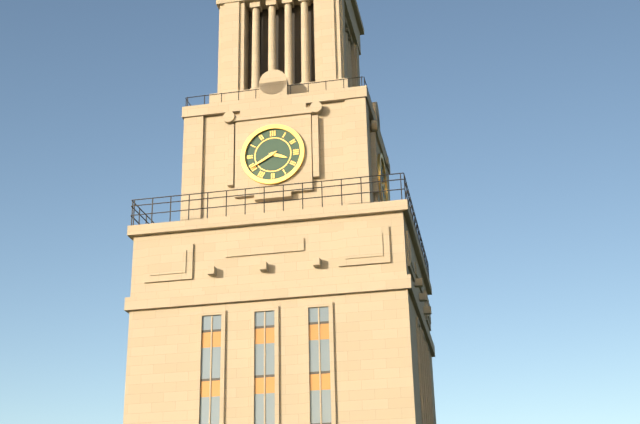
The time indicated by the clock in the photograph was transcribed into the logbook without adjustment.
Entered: 3:40
